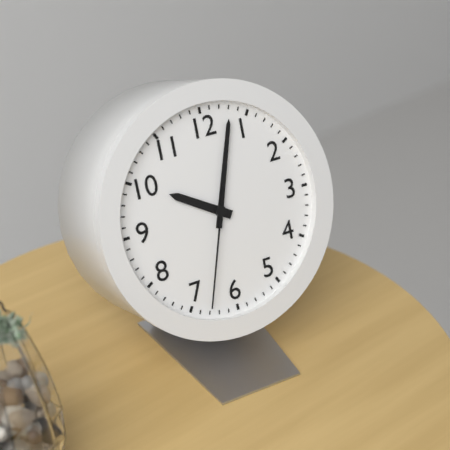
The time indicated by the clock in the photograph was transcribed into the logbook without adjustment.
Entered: 10:03:33
